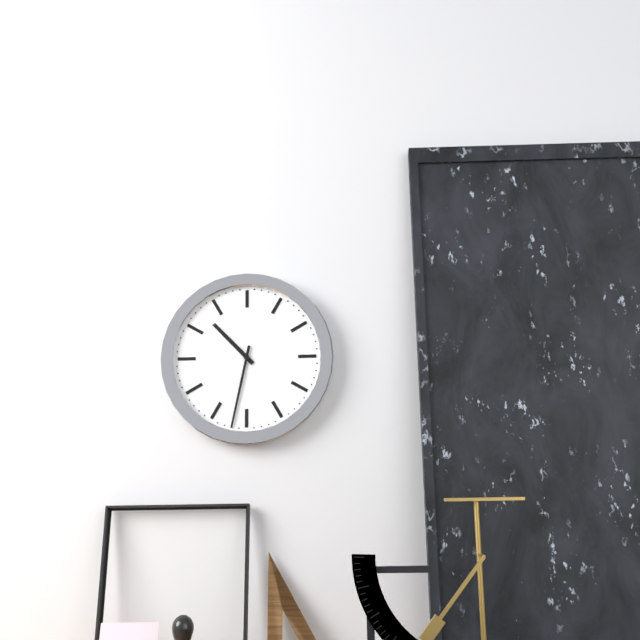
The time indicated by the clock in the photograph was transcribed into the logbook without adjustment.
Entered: 10:32
